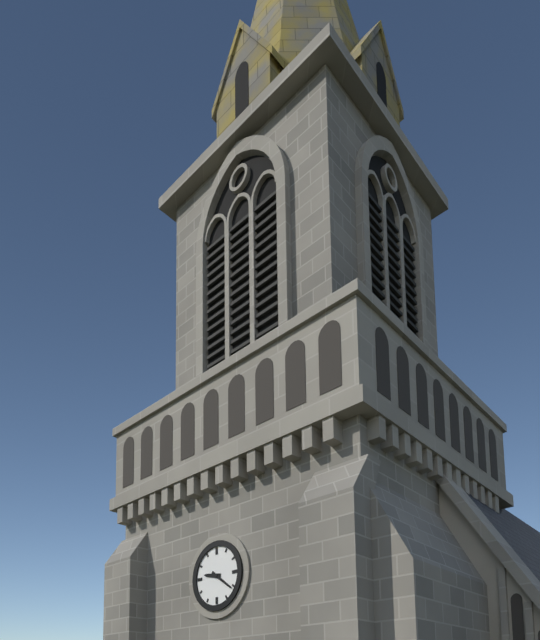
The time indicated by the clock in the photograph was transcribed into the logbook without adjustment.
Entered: 9:21
